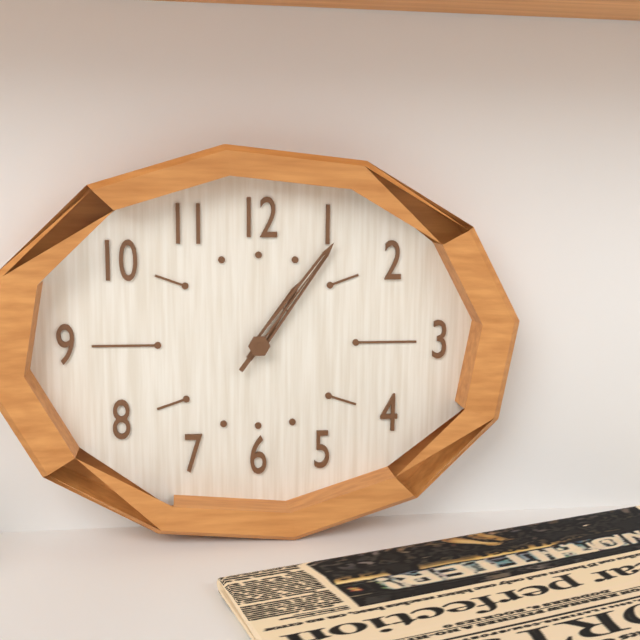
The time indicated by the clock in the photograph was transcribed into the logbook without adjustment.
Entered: 1:06:06
